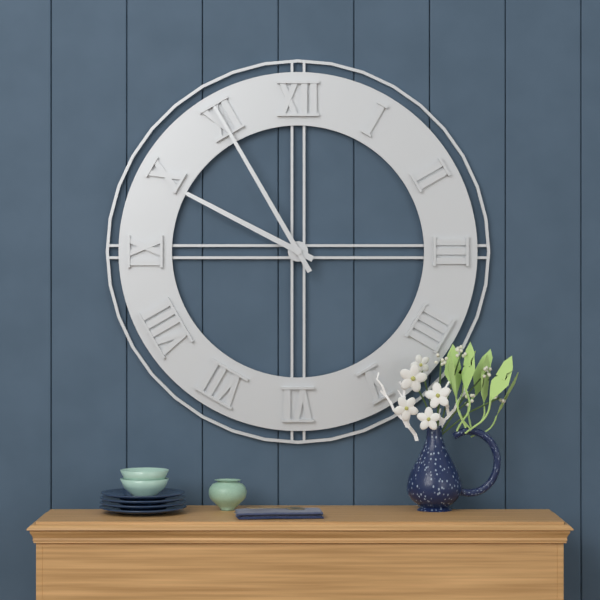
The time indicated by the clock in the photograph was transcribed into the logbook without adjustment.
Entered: 9:55
